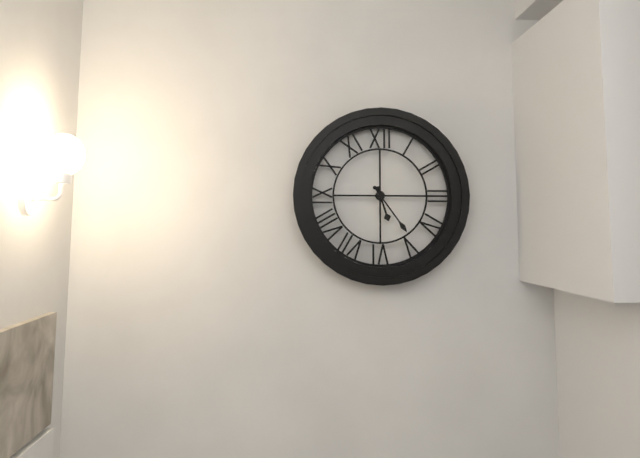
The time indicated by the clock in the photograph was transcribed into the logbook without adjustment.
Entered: 5:24
